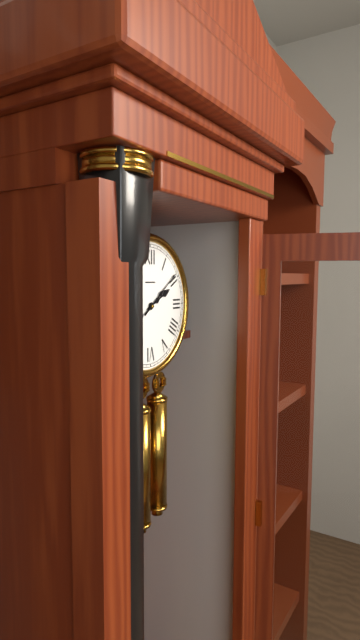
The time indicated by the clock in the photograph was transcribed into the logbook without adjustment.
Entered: 2:09
